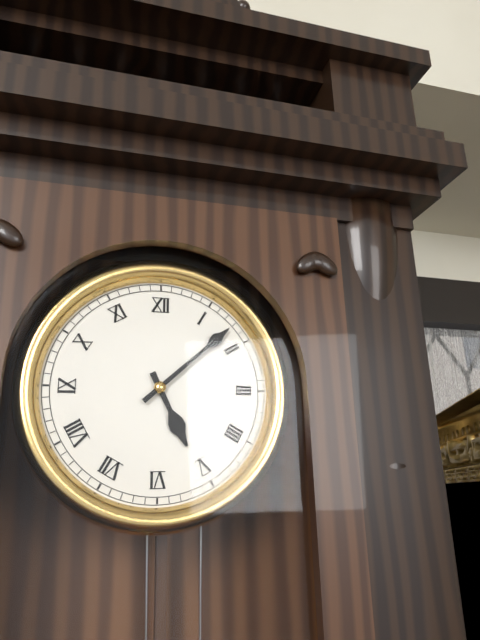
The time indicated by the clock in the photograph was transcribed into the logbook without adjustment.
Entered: 5:08
